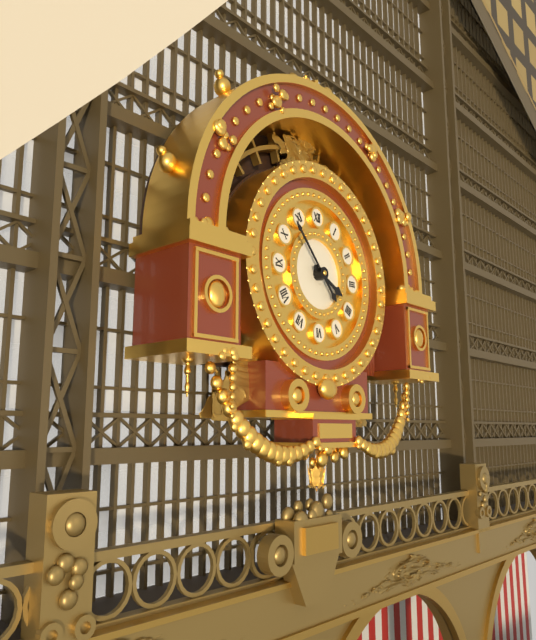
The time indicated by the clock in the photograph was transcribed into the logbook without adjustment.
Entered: 3:53
